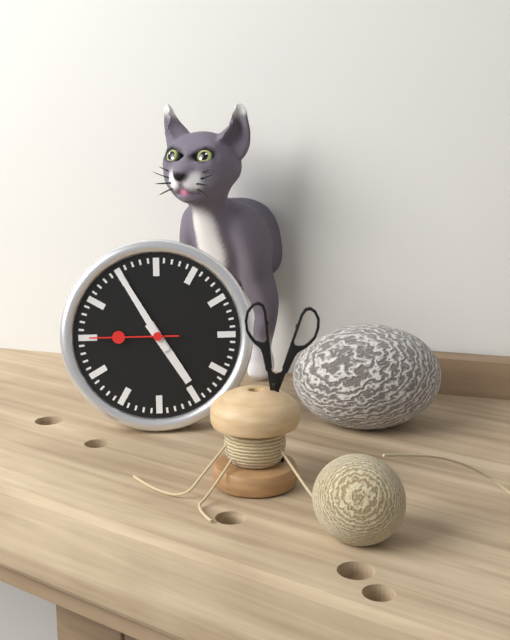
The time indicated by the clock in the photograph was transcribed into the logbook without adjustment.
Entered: 4:55:45
